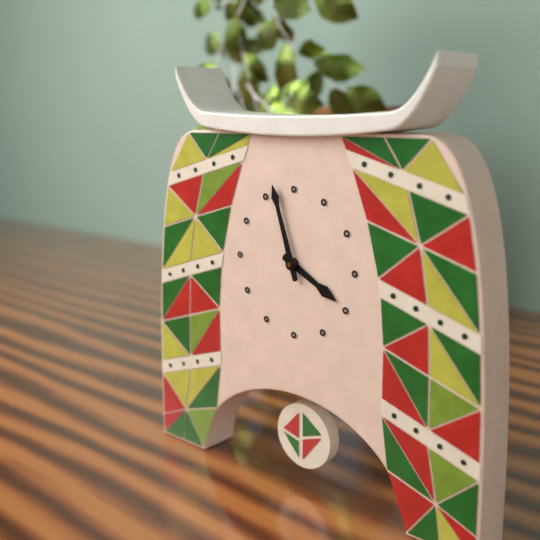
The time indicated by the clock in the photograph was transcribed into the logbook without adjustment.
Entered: 3:57
